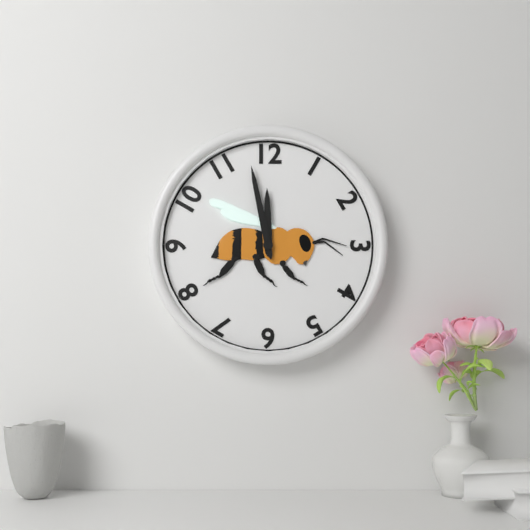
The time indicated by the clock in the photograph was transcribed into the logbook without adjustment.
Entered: 11:58
